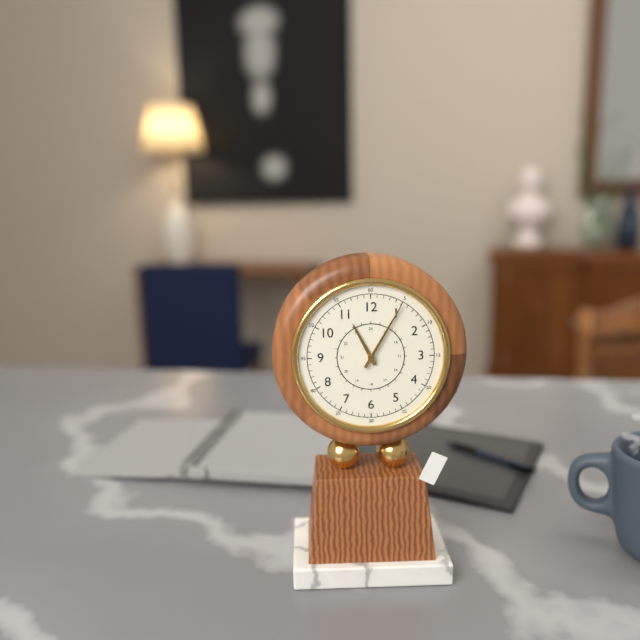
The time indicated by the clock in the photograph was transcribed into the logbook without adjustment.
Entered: 11:05
